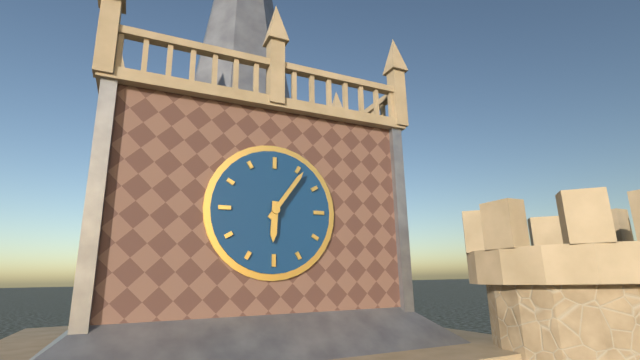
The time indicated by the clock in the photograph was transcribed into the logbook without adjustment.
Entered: 6:06
